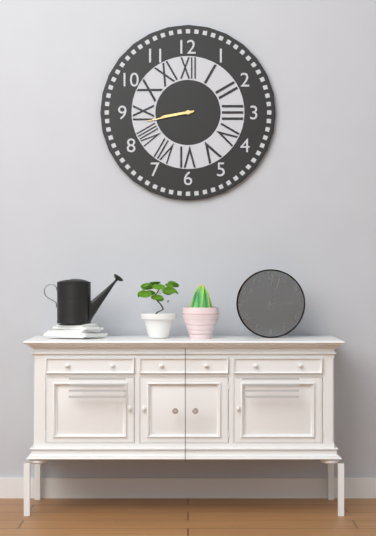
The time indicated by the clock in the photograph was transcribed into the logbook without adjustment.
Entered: 8:43
